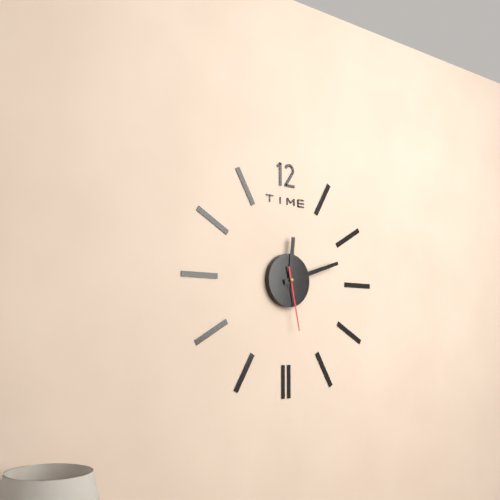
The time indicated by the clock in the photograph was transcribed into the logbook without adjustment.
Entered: 12:12:28
